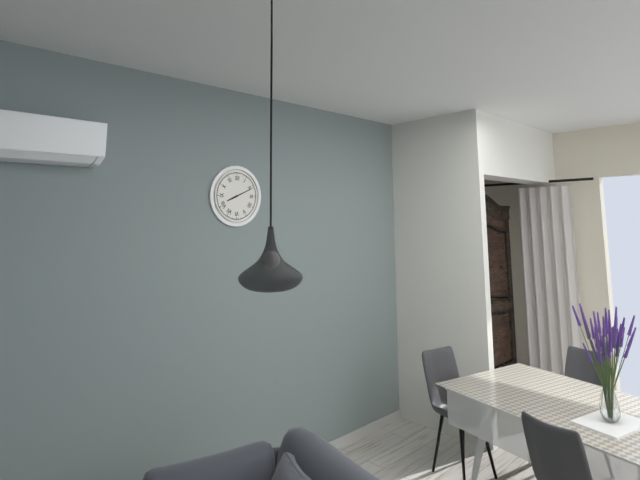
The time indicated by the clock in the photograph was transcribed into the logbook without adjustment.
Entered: 8:11
